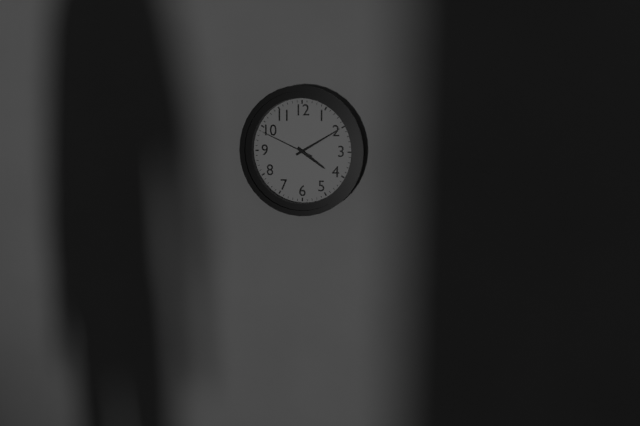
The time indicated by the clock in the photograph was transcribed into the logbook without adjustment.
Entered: 4:10:49
